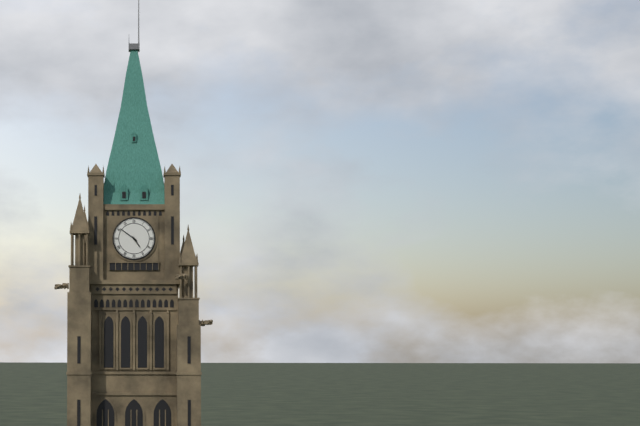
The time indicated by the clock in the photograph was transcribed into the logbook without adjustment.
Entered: 4:51
